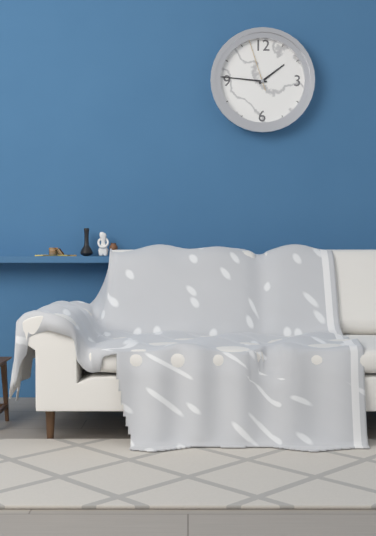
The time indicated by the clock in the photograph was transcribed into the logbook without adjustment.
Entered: 1:46:57
